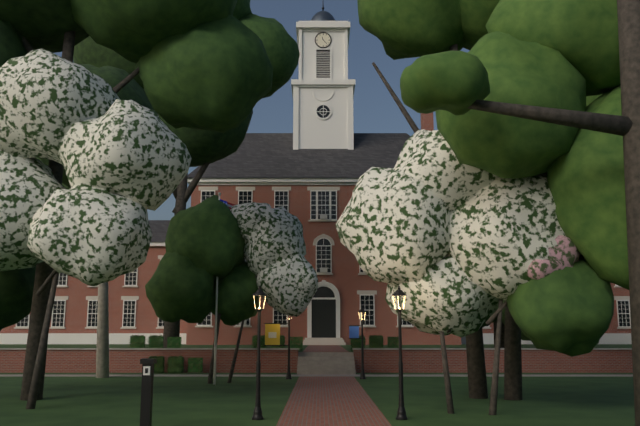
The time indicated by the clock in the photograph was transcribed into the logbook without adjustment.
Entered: 11:23
